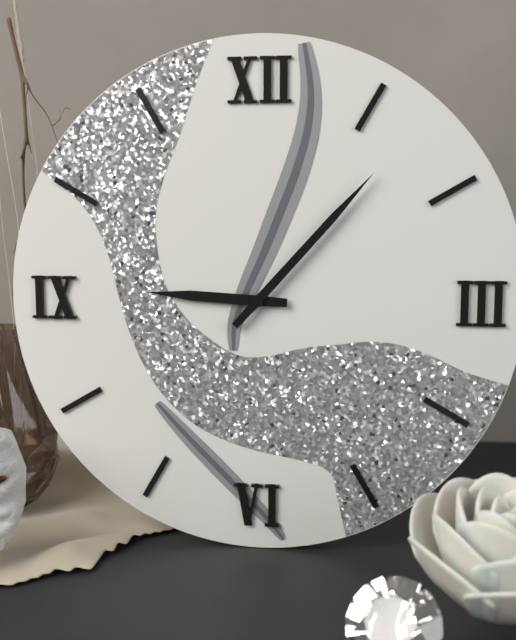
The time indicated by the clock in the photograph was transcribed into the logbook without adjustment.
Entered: 9:07
